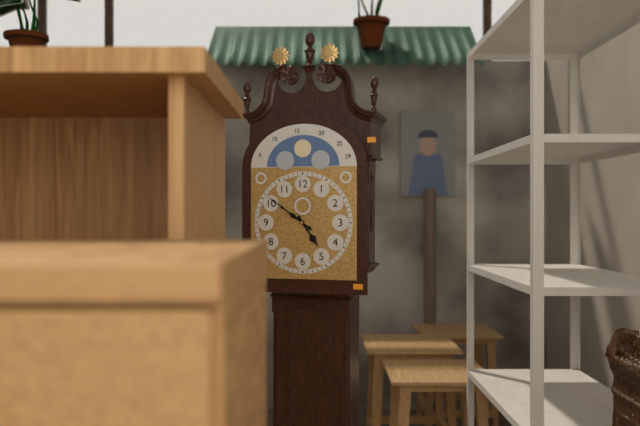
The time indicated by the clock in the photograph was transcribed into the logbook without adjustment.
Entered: 4:51
